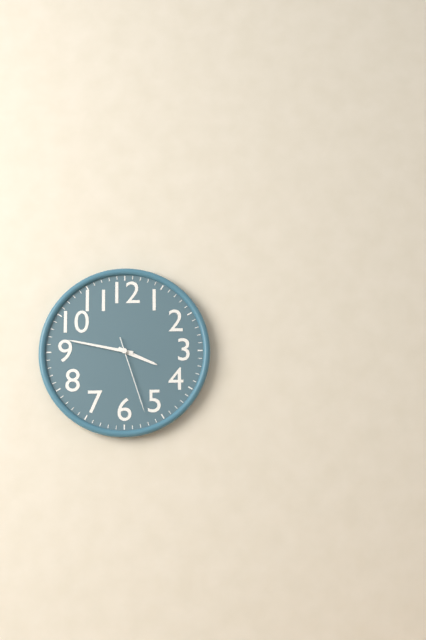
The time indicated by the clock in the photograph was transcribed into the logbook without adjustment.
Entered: 3:47:27
